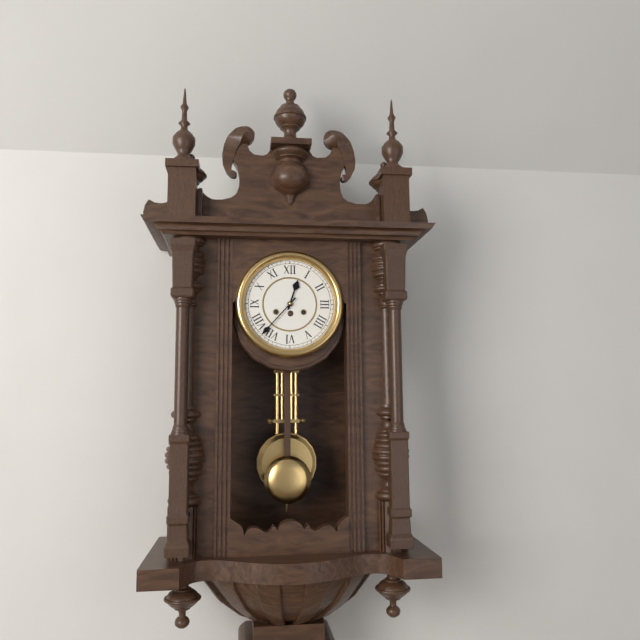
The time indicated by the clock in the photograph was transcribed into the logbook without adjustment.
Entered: 12:37
